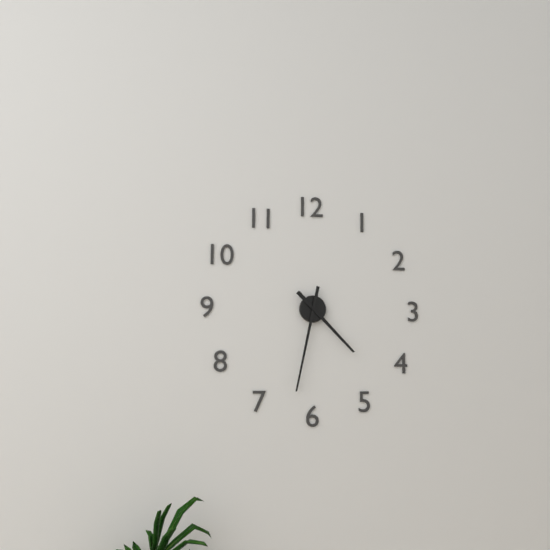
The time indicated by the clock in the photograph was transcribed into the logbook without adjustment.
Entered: 4:32
